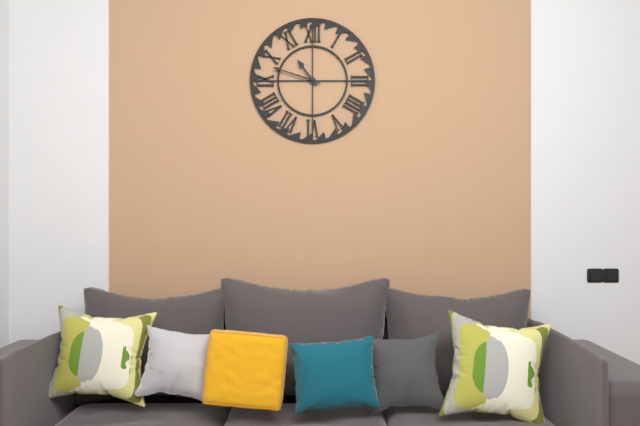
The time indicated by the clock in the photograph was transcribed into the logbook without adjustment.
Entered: 10:48
